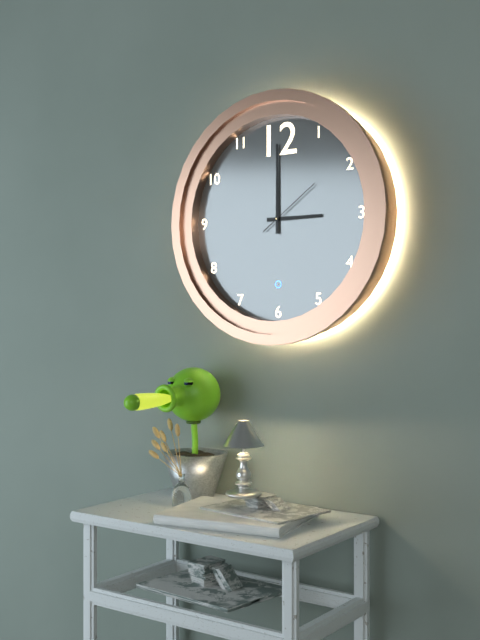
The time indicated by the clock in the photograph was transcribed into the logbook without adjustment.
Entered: 3:00:09
